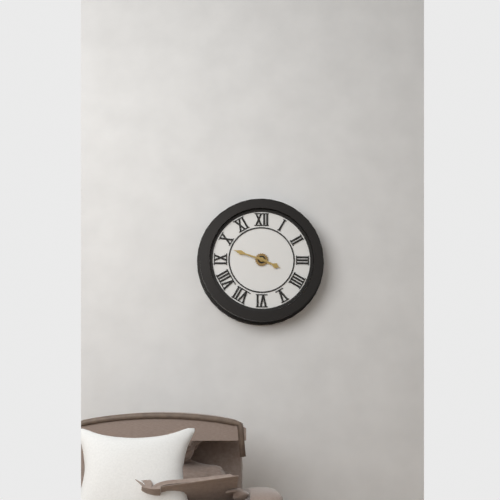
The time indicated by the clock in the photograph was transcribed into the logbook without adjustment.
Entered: 3:48
